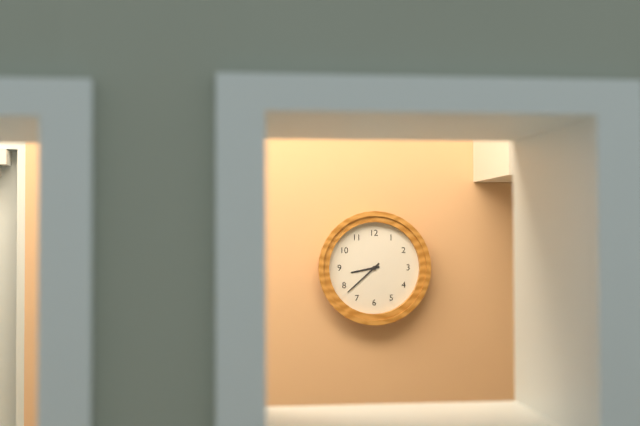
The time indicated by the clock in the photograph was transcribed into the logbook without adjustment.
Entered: 8:38
